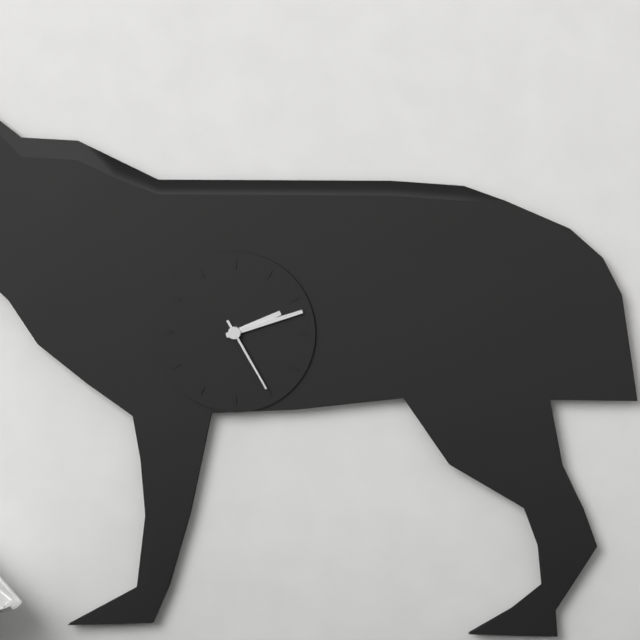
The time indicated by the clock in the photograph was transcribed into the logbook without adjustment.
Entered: 2:12:25
